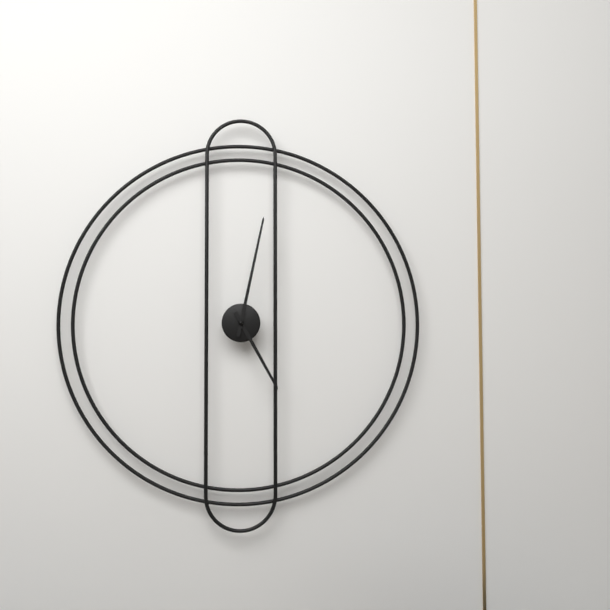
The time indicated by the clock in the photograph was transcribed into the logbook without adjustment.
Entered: 5:02
